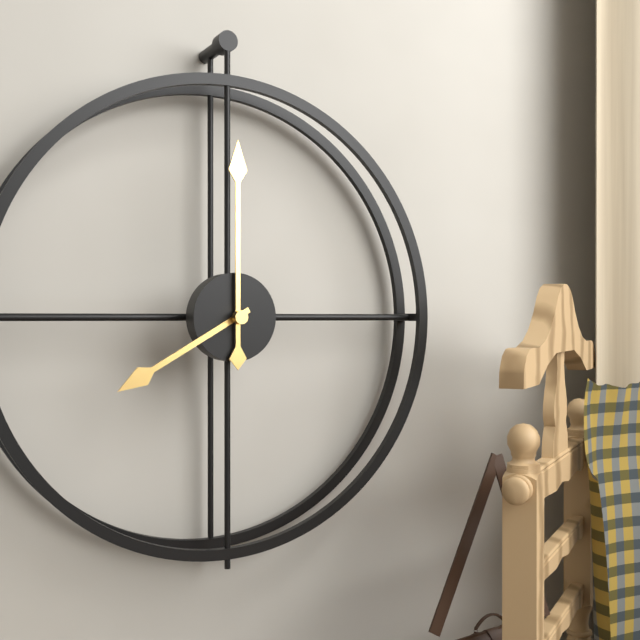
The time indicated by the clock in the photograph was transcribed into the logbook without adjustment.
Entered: 8:00
